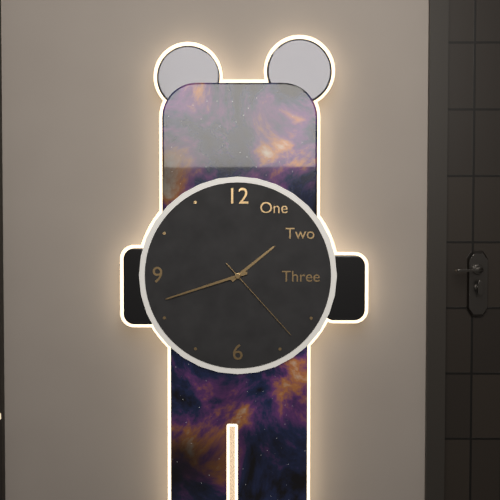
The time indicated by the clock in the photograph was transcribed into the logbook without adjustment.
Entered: 1:42:23
